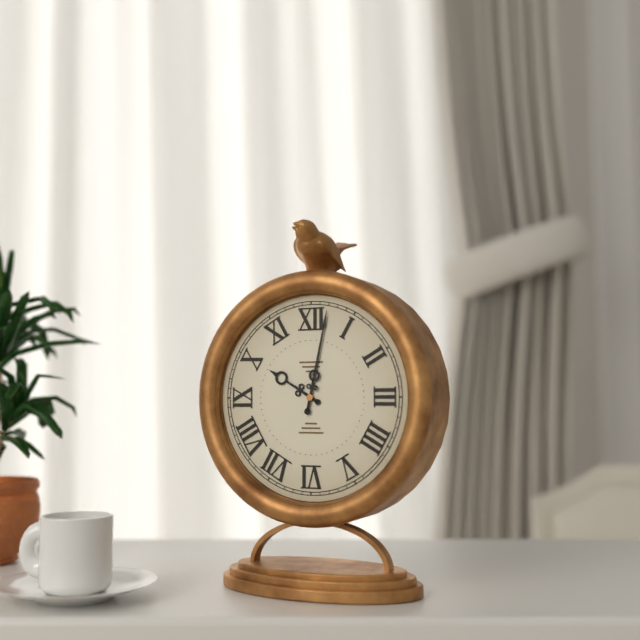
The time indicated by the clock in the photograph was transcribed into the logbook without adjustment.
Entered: 10:02
